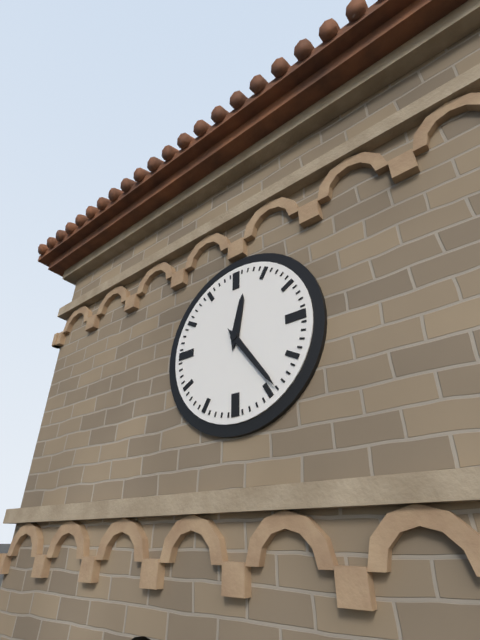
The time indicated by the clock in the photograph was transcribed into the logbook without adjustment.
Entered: 12:24
